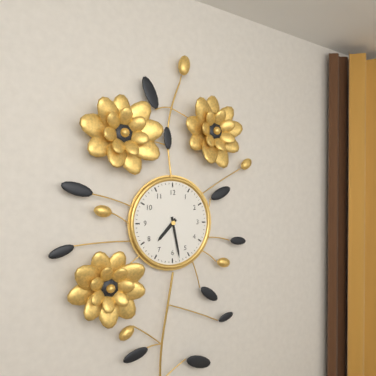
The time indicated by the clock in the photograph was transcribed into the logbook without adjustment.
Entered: 7:28
